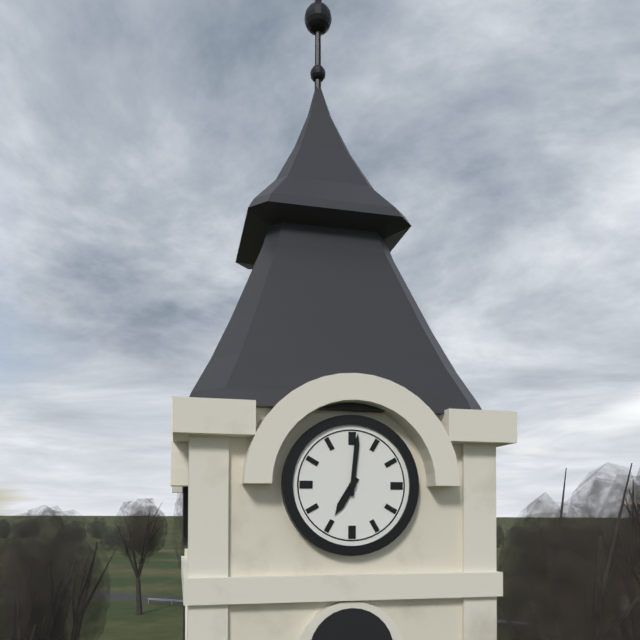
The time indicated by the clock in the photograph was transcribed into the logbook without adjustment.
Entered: 7:01
